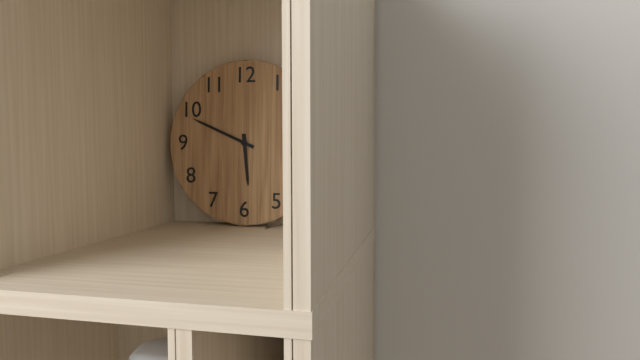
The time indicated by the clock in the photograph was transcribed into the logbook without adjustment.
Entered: 5:49
